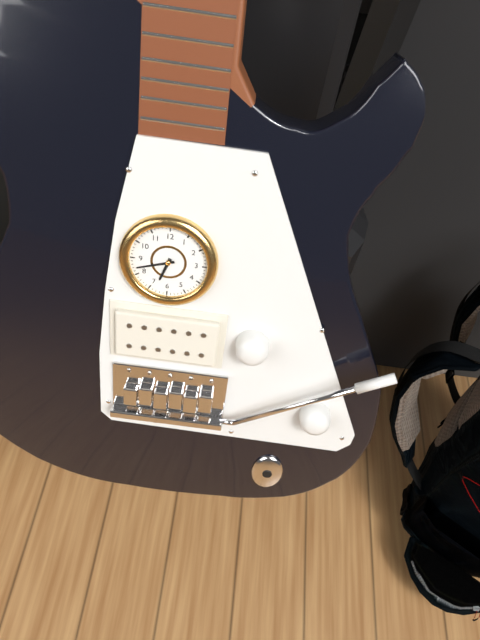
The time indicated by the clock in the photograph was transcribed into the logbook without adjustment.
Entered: 6:42
